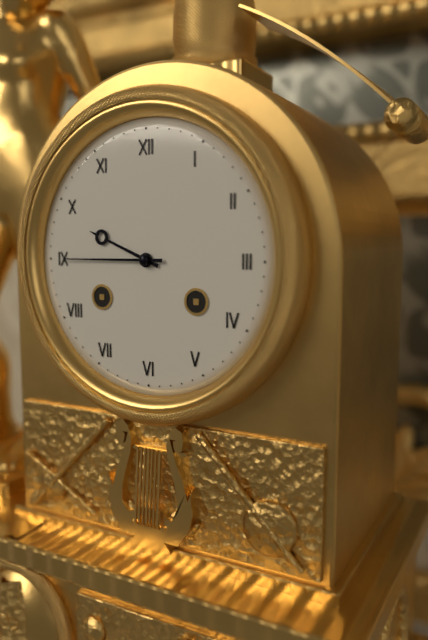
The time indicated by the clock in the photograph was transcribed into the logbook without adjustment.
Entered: 9:45
